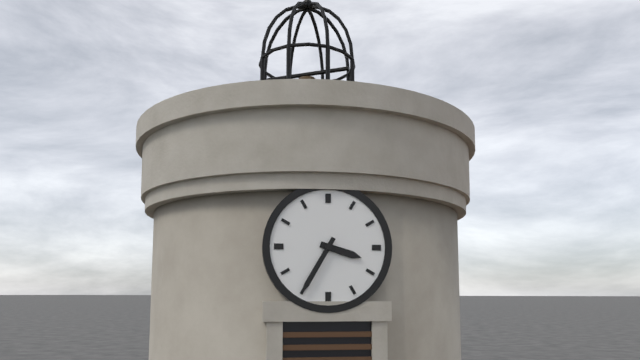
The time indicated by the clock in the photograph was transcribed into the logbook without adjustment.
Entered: 3:35
